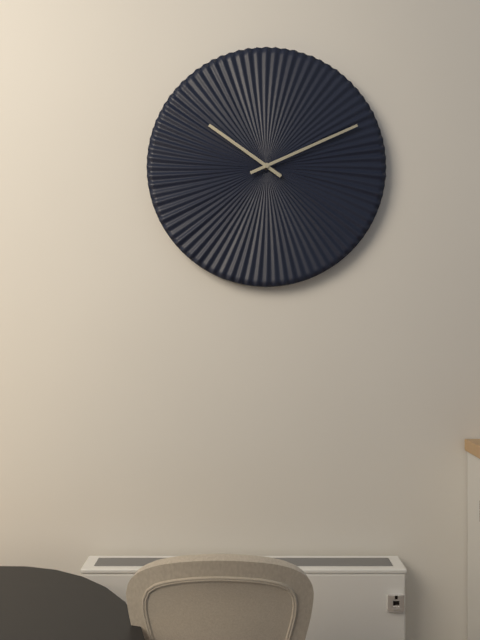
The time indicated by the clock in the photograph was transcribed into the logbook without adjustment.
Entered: 10:11
